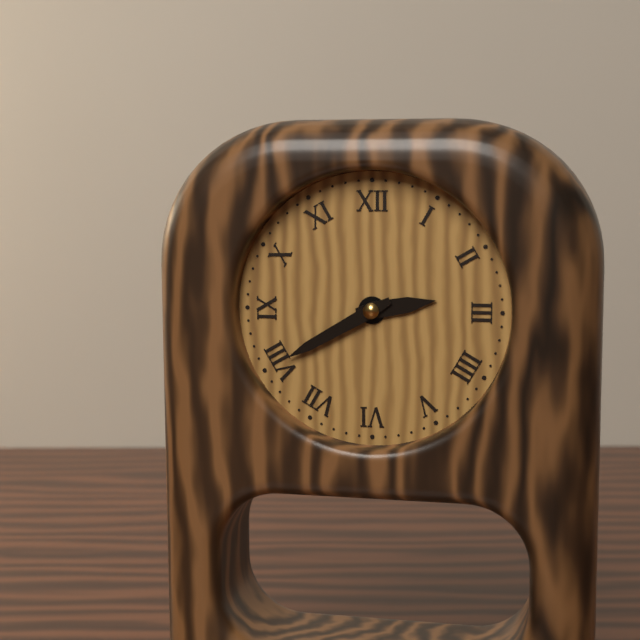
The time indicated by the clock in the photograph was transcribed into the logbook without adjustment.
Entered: 2:40
